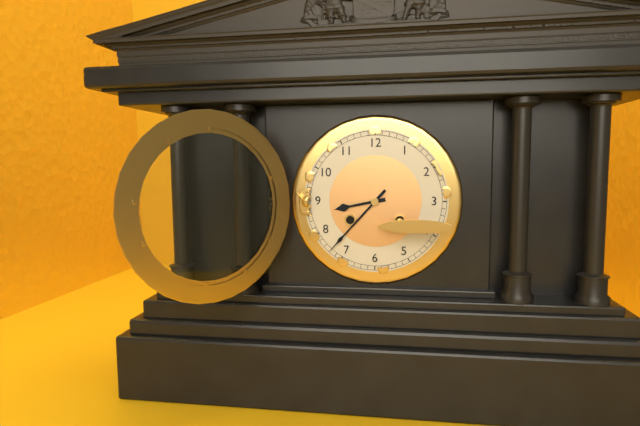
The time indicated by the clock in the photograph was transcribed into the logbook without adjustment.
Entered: 8:37
